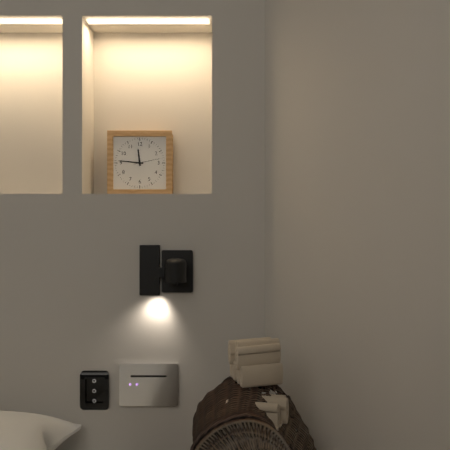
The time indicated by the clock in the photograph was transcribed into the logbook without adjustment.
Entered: 11:46
